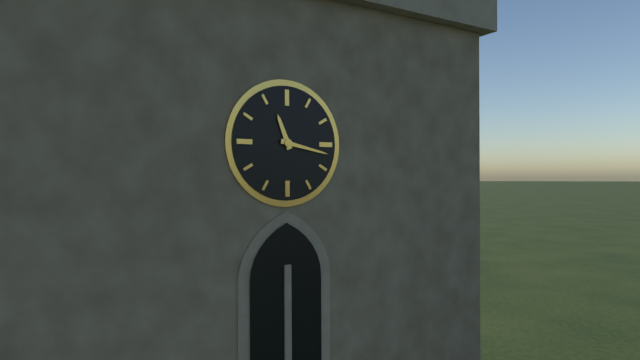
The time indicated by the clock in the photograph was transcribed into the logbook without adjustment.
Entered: 11:17
